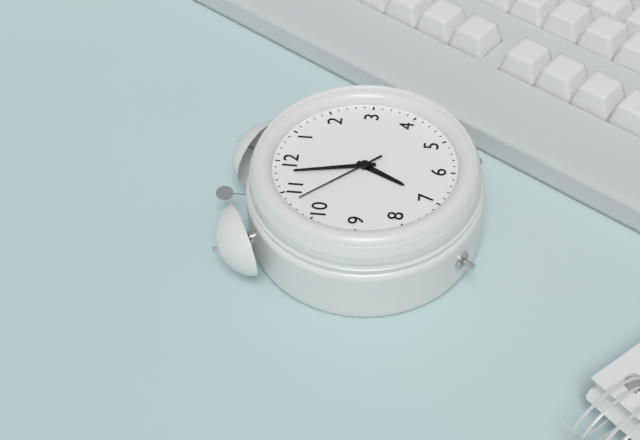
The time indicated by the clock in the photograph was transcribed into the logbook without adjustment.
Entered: 6:58:53
